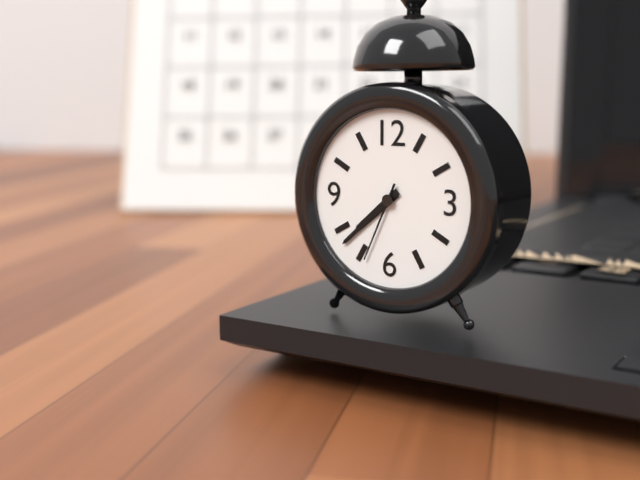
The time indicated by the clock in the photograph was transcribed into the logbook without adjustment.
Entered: 7:38:34
